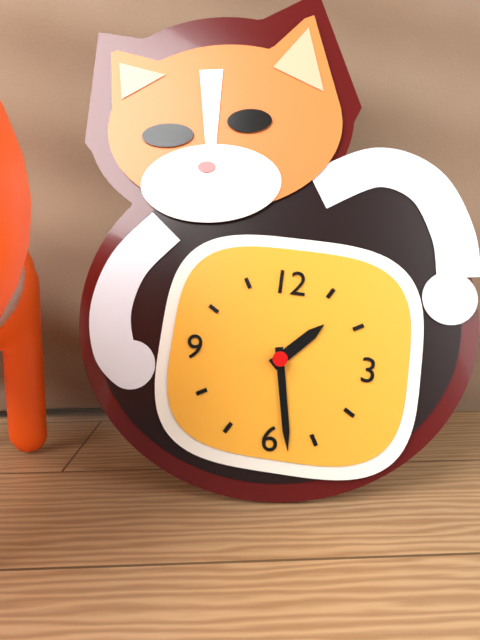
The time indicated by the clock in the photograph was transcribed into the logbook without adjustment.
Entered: 1:28
